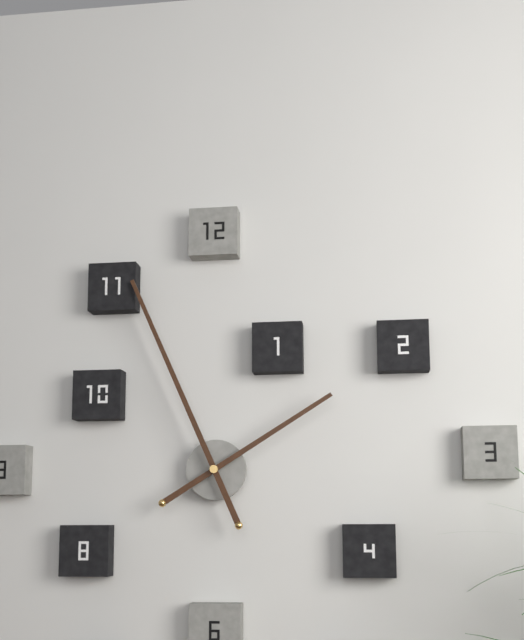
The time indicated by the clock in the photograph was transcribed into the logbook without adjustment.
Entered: 1:56
